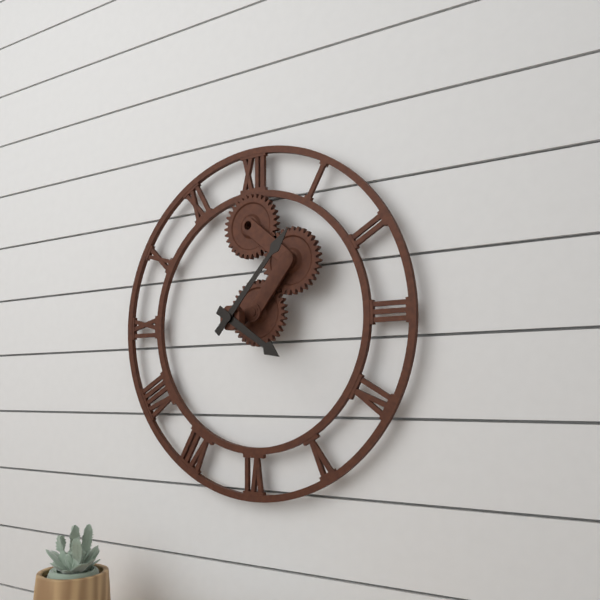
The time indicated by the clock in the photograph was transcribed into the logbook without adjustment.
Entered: 4:07
